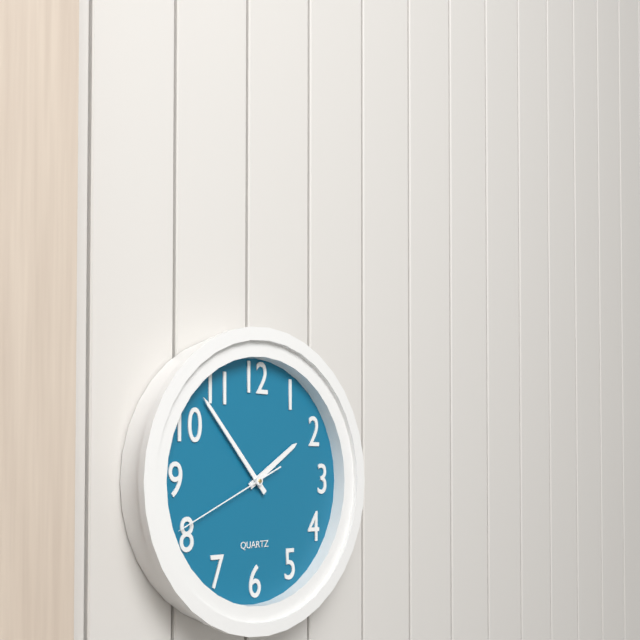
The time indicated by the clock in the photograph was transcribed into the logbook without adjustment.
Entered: 1:53:41
